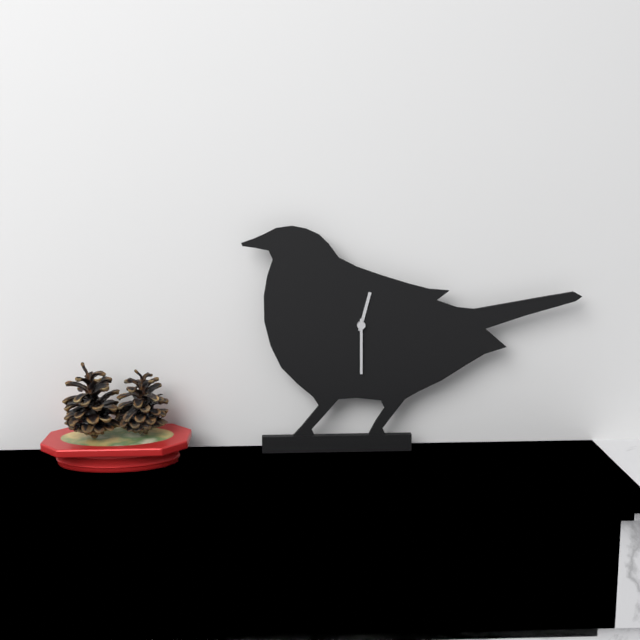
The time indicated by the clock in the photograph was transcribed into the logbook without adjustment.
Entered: 12:30
